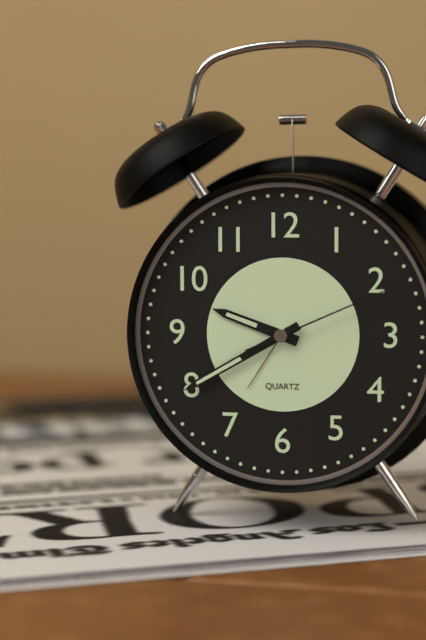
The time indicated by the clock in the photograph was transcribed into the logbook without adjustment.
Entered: 9:40:11
